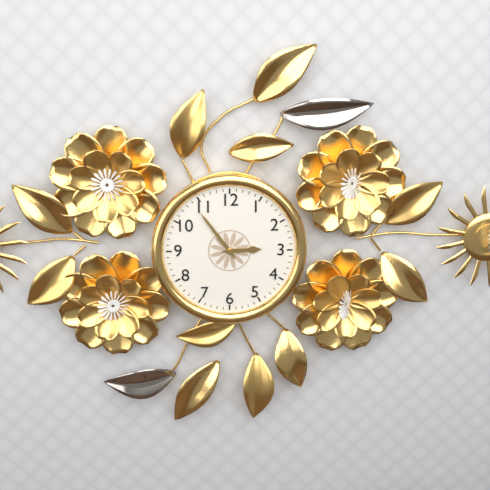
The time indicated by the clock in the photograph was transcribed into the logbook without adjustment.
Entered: 2:54
